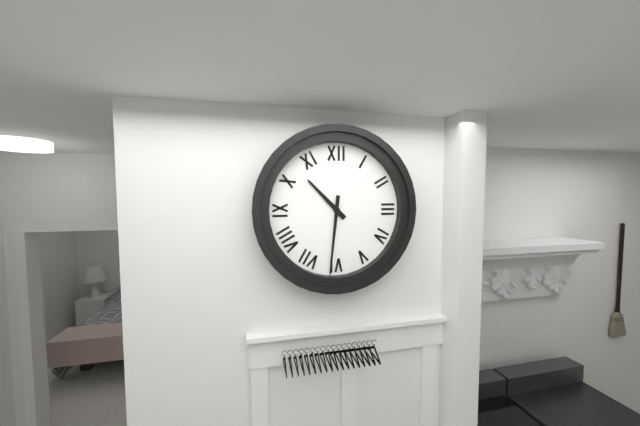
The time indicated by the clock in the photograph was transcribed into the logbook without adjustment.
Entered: 10:31
